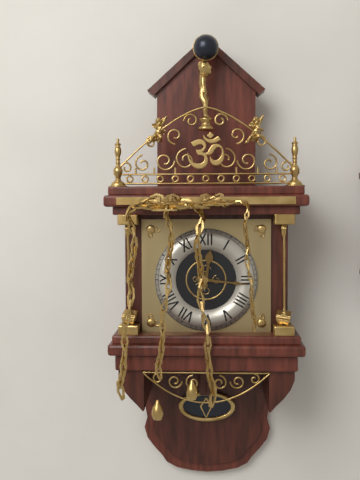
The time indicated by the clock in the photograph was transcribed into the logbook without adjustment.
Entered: 12:16
